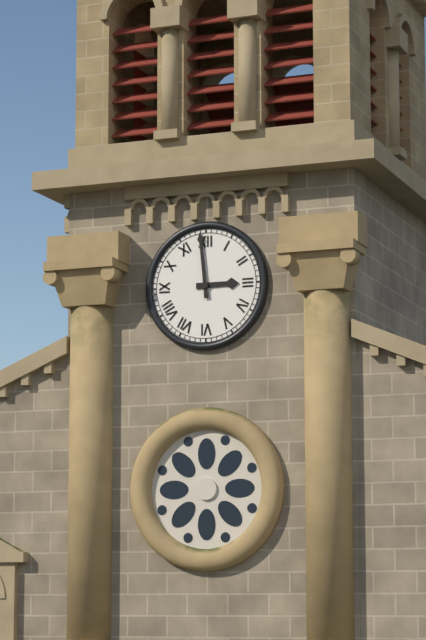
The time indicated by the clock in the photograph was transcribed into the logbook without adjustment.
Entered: 2:59
